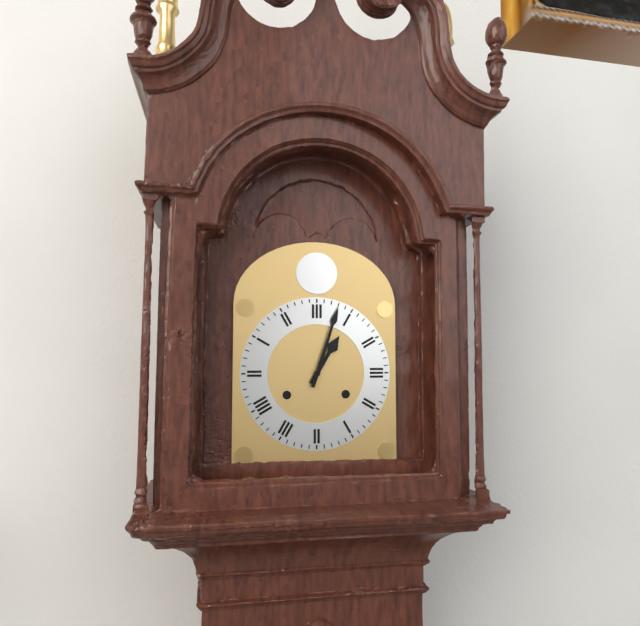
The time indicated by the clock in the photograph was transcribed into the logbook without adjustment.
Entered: 1:03
